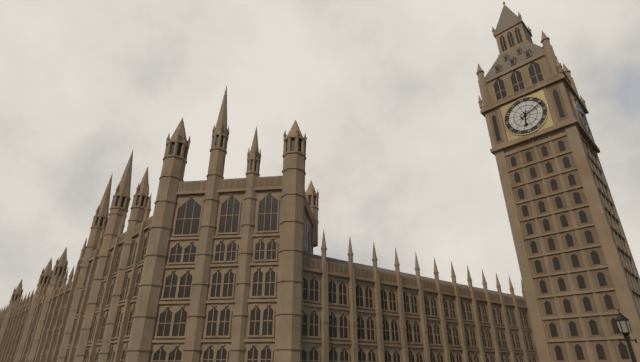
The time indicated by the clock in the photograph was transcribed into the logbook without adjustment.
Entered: 6:11
